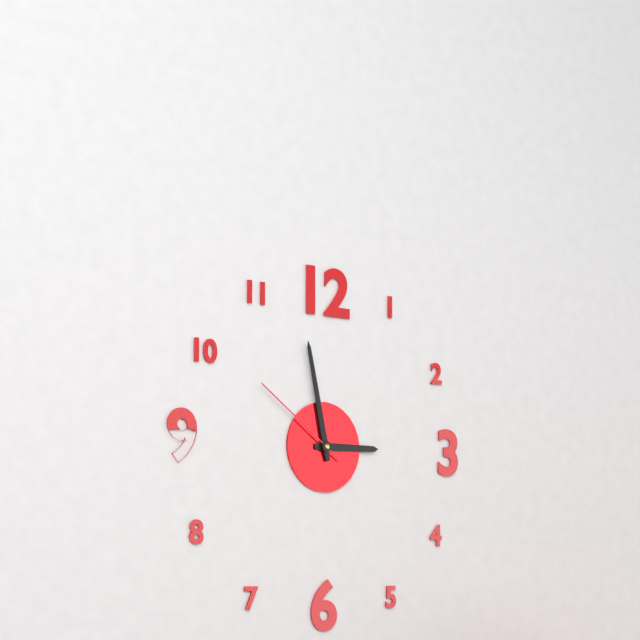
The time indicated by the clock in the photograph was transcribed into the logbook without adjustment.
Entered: 2:58:51
